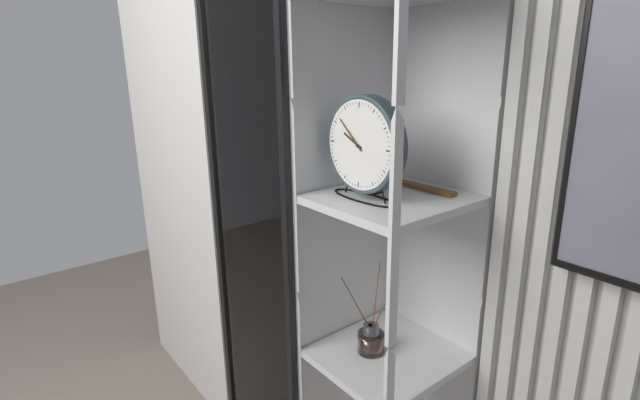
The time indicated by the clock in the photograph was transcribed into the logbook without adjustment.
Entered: 9:52
